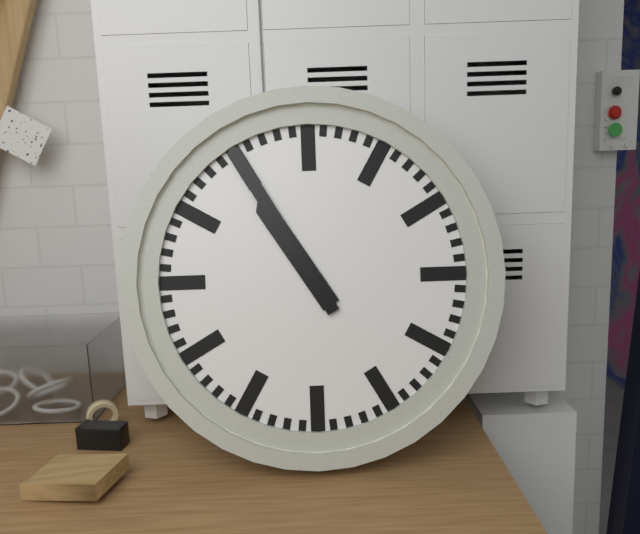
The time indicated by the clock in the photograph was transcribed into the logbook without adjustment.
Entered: 10:55
